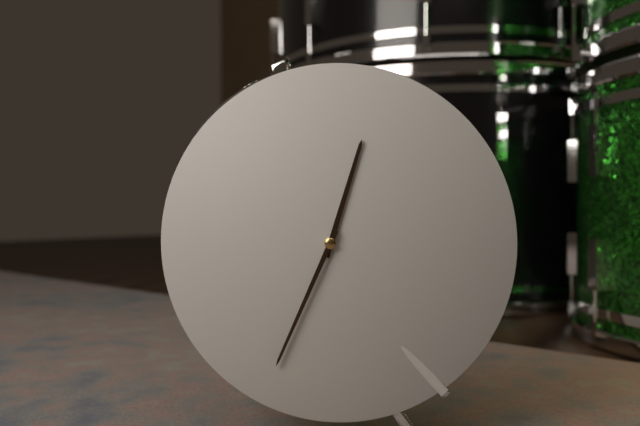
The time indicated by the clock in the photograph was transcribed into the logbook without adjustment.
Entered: 12:34
